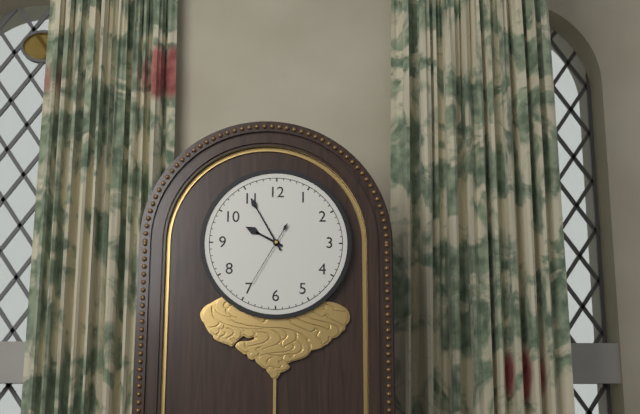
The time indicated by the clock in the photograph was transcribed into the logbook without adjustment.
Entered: 9:55:35
